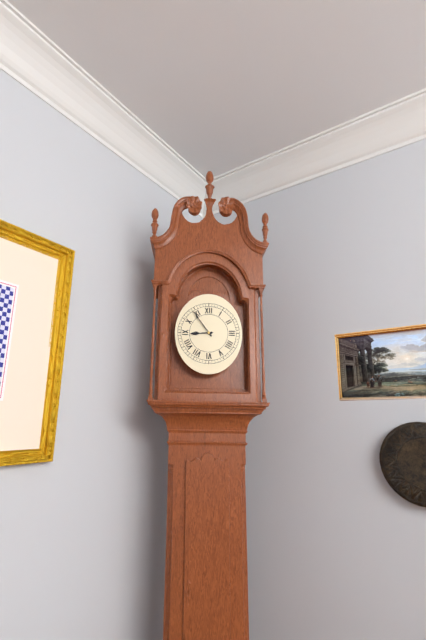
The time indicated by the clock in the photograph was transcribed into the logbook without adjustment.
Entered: 8:54
